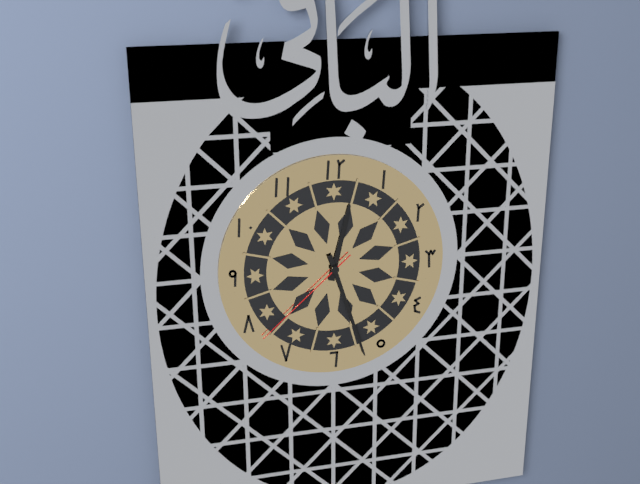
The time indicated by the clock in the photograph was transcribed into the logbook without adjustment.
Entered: 12:27:38
